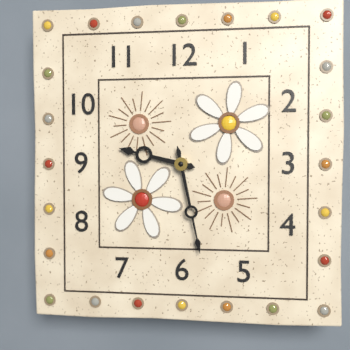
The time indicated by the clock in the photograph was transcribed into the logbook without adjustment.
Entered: 9:28
